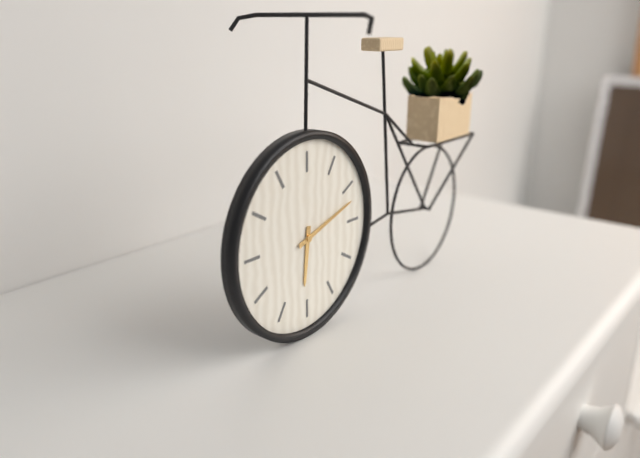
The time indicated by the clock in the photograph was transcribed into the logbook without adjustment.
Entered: 6:12
